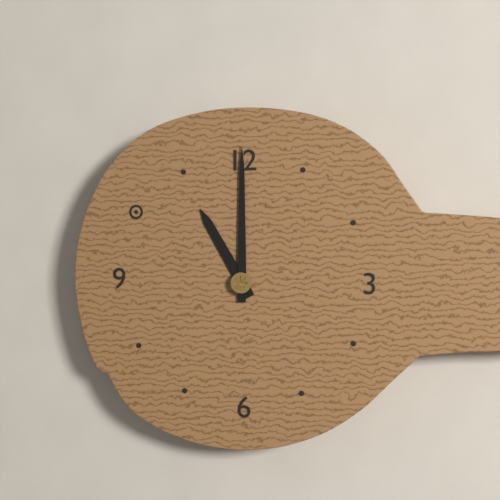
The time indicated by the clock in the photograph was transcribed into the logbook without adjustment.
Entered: 11:00
